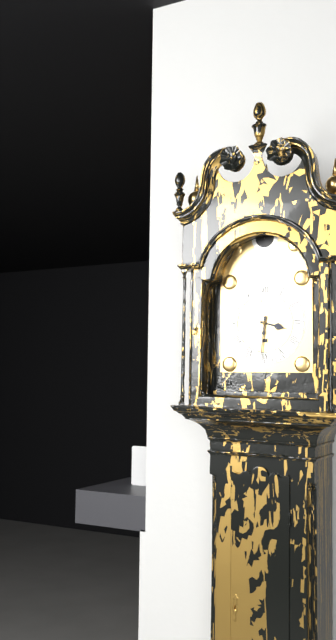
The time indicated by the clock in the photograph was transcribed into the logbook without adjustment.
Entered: 3:31
